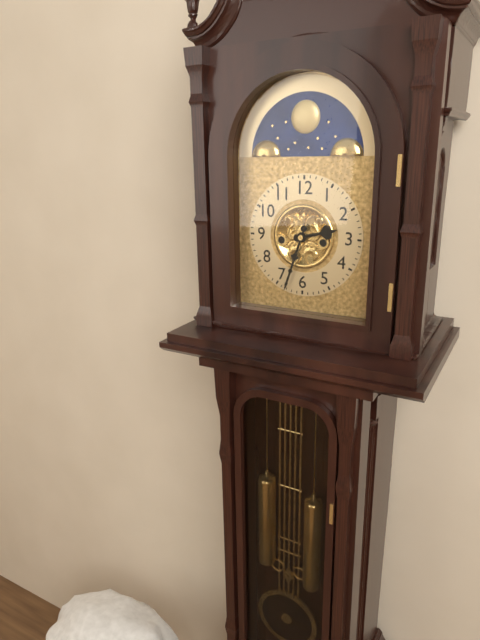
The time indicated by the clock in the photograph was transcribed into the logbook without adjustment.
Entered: 2:33
